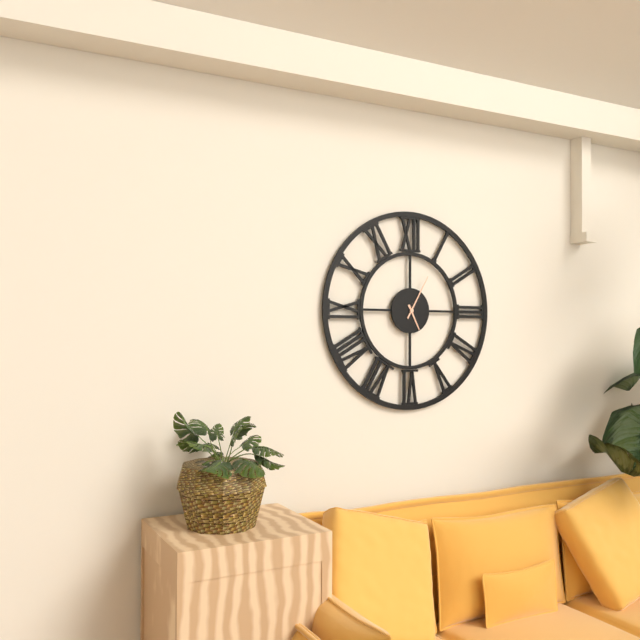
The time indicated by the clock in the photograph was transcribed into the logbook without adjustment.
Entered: 5:05
